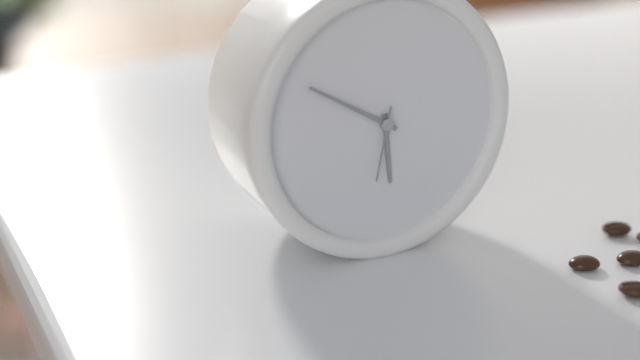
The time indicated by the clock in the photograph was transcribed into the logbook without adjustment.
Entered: 5:50:32
